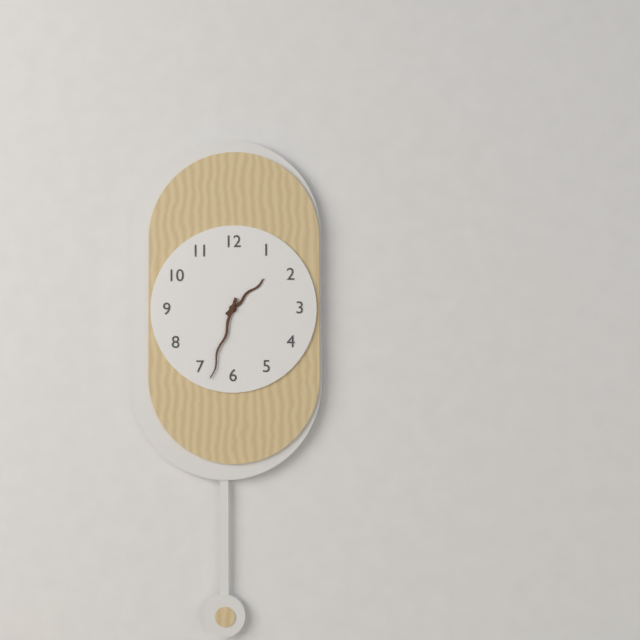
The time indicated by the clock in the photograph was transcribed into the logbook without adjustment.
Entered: 1:33
